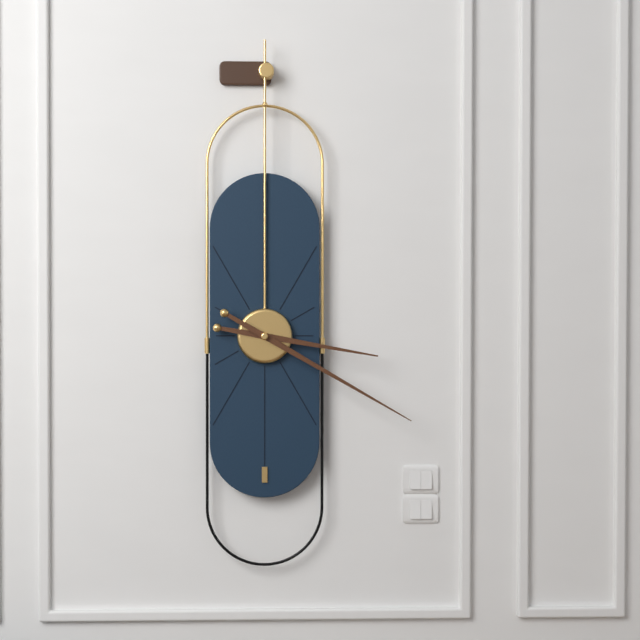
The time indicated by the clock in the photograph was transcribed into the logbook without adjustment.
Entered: 3:20
